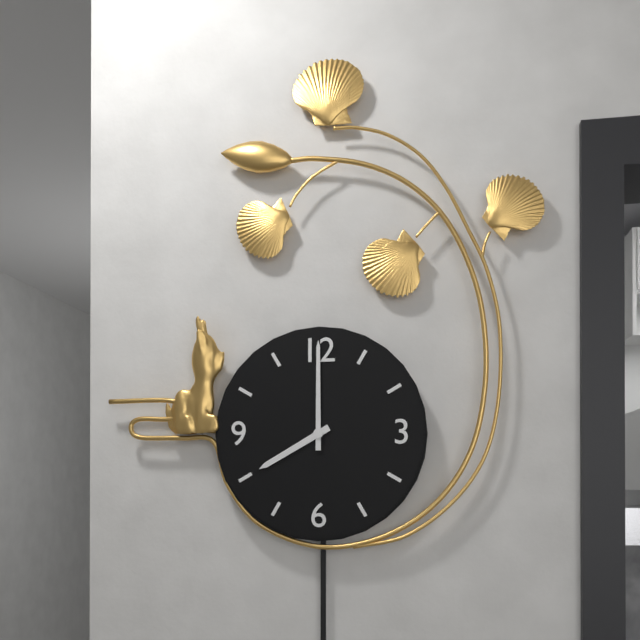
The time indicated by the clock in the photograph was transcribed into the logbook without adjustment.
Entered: 8:00
